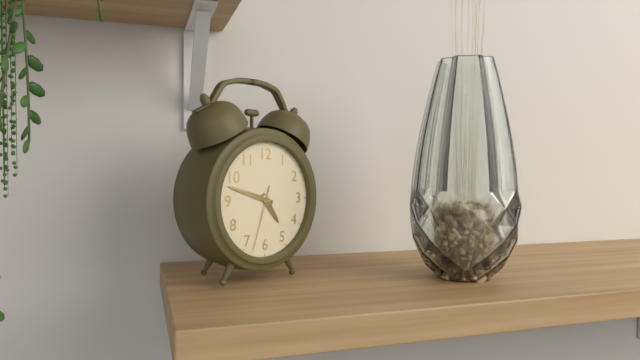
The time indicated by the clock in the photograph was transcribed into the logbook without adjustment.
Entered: 4:48:33
